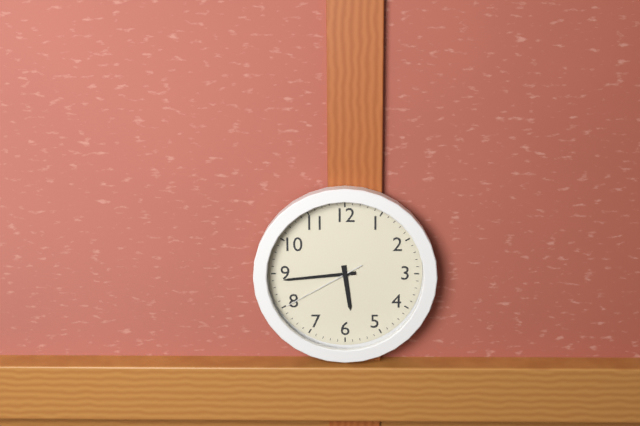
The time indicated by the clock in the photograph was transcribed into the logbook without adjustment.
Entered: 5:44:40
